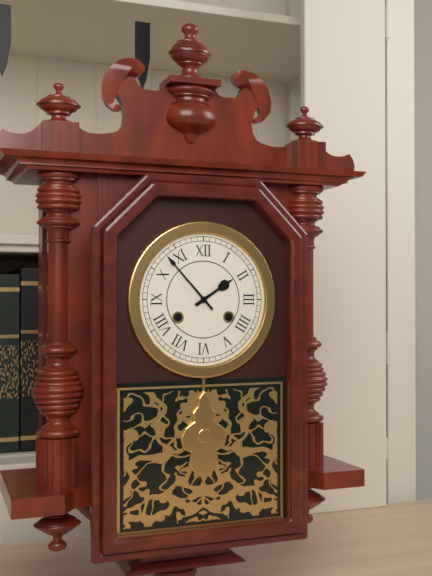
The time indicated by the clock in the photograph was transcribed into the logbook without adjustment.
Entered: 1:53
